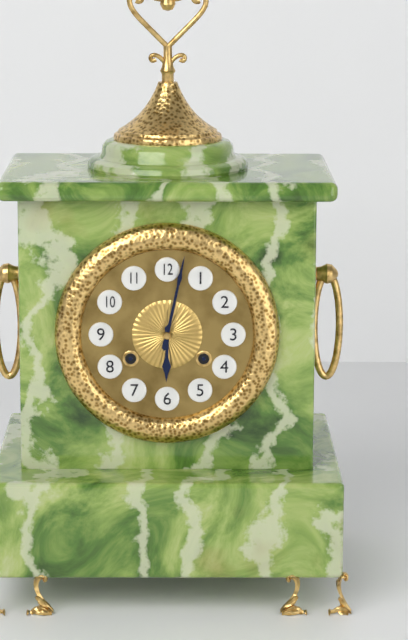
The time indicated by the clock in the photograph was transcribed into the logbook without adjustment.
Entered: 6:02
